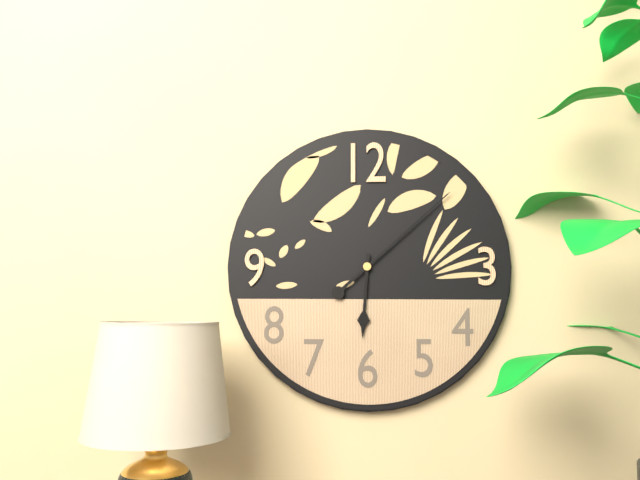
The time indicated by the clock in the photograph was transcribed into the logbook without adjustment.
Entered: 6:08
